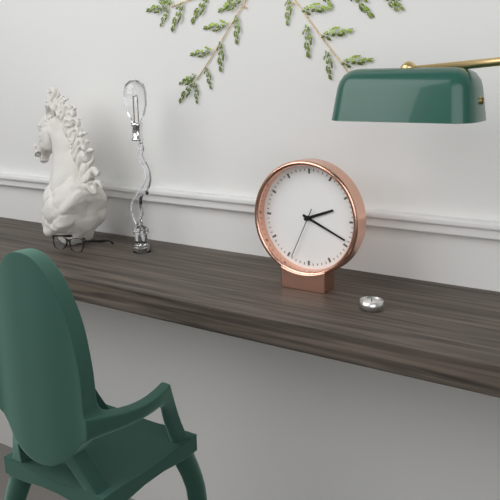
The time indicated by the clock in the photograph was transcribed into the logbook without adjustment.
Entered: 2:19:34
